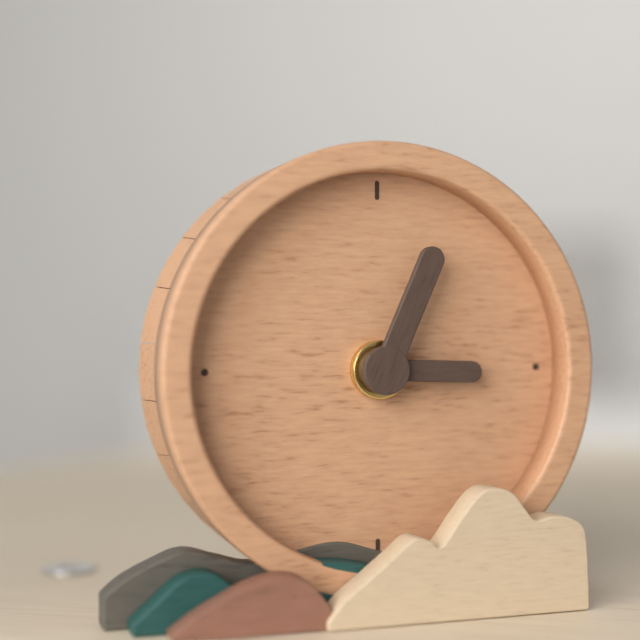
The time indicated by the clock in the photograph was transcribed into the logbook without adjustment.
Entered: 3:04
